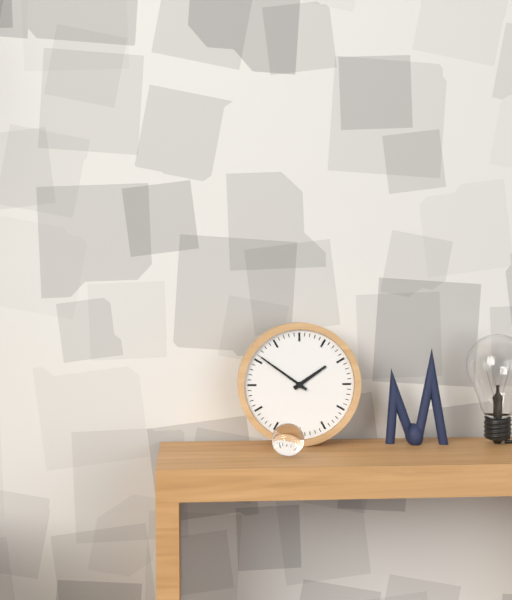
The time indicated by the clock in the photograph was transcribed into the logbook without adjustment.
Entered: 1:51
